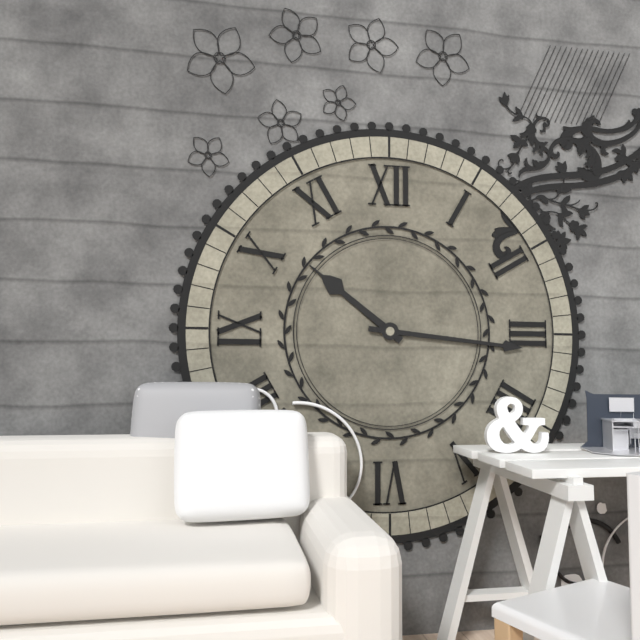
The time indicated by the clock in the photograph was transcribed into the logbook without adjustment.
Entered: 10:16
